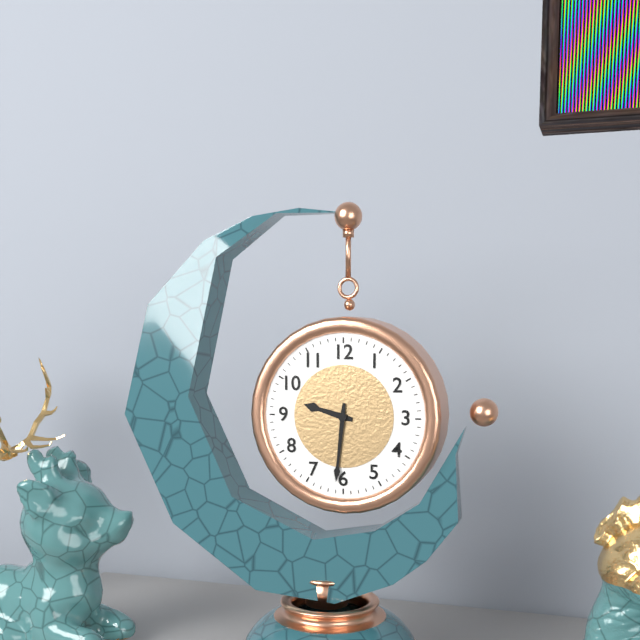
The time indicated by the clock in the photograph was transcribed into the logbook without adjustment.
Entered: 9:31
